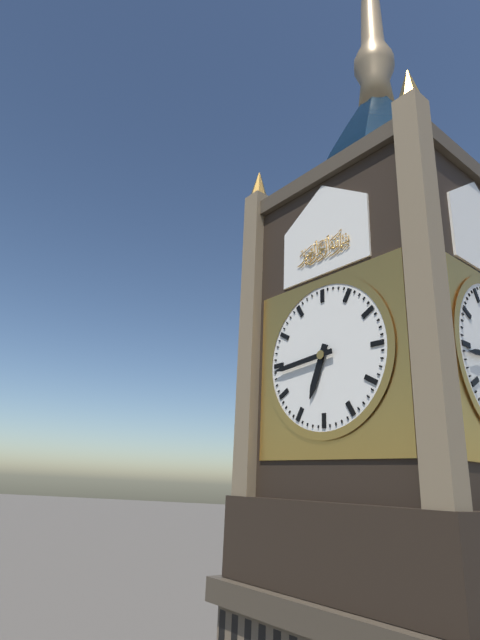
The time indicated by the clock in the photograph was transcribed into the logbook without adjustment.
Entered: 6:44
